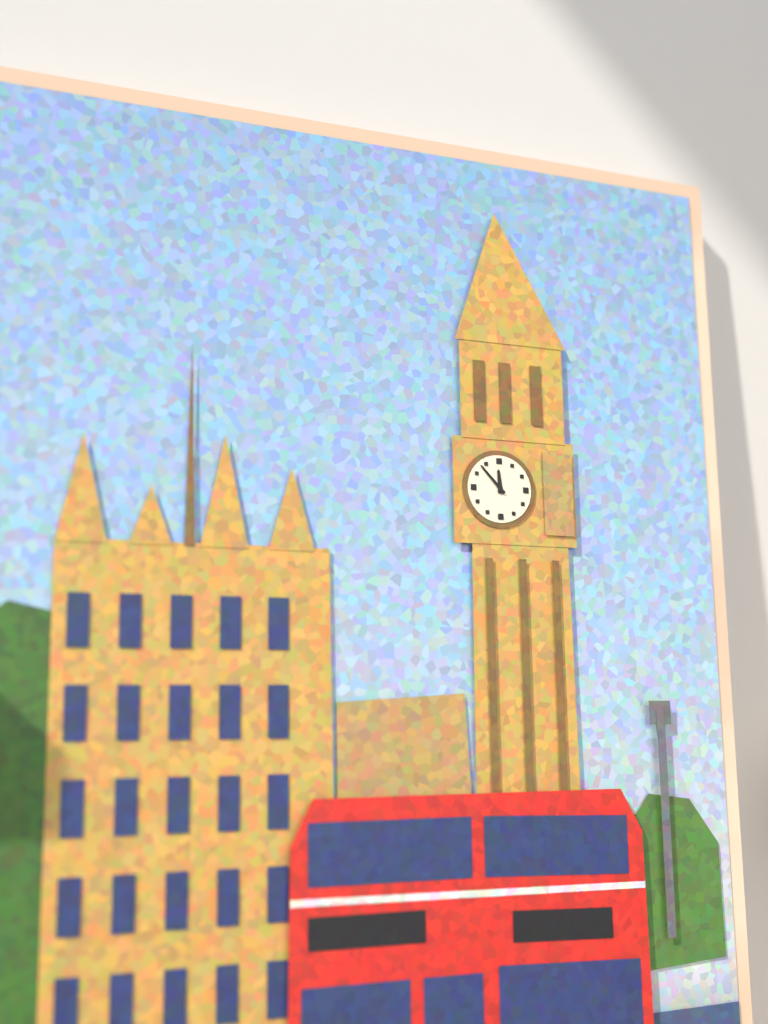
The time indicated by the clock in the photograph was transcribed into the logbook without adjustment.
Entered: 11:53
